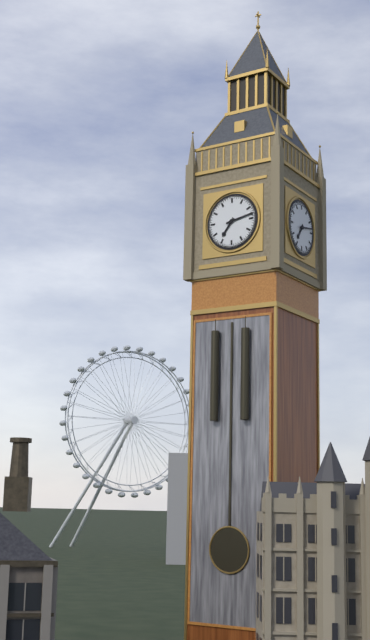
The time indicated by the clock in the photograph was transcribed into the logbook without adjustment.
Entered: 7:13
